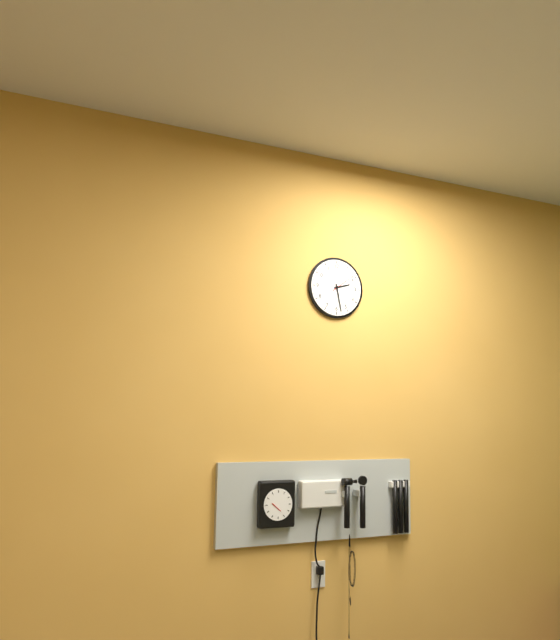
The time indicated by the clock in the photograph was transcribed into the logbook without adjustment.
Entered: 2:28
